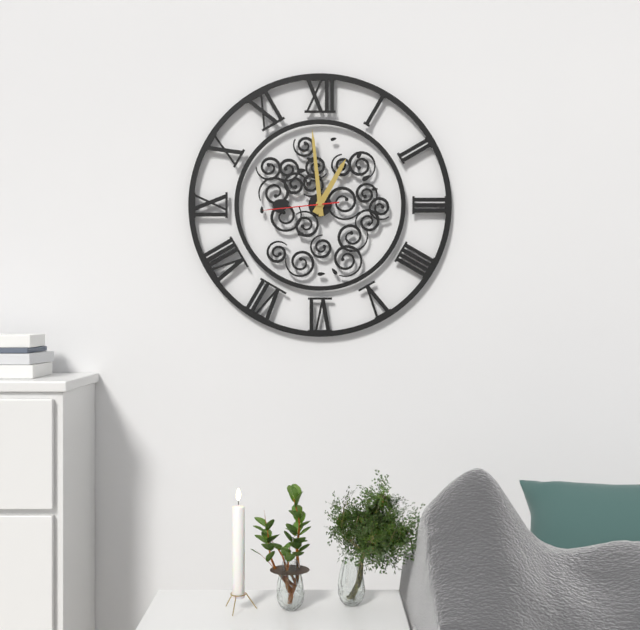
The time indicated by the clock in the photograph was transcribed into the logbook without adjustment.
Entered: 12:59:44
